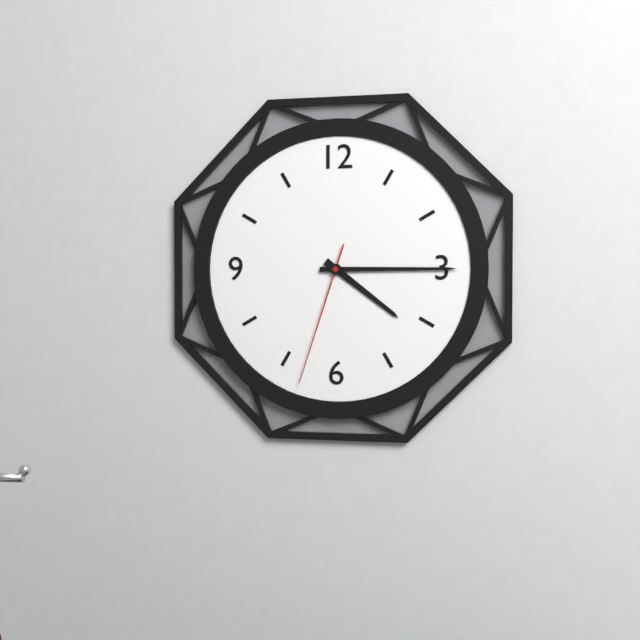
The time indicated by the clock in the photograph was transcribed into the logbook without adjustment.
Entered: 4:15:33
